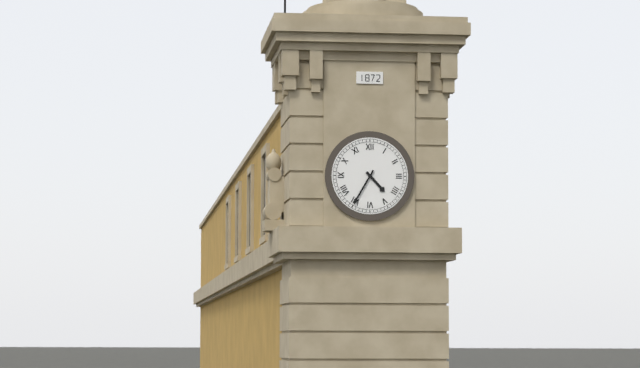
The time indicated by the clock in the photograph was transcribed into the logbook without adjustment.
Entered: 4:35
